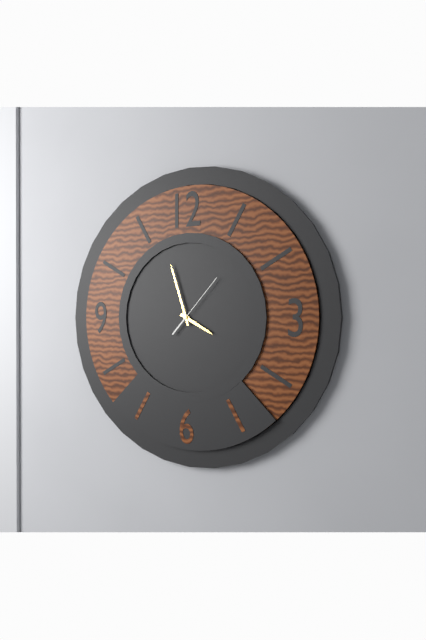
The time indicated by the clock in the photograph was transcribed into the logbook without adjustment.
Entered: 3:57:07
